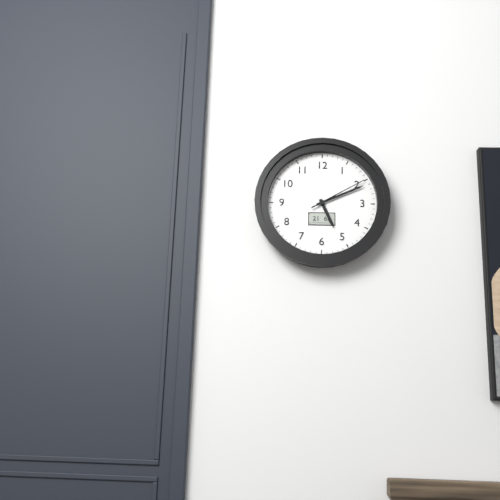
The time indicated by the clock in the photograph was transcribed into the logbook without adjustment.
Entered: 5:11:10
